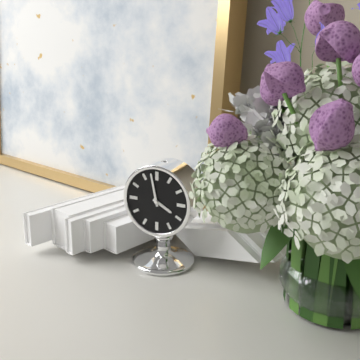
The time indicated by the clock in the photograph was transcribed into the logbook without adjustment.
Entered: 3:58
